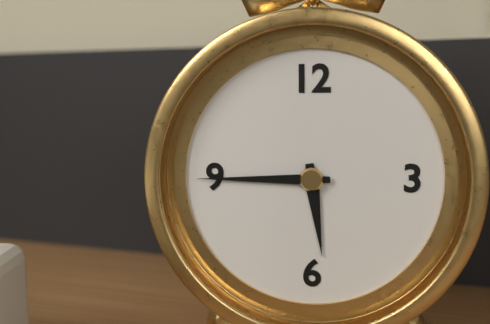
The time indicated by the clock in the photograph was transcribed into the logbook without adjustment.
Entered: 5:45
